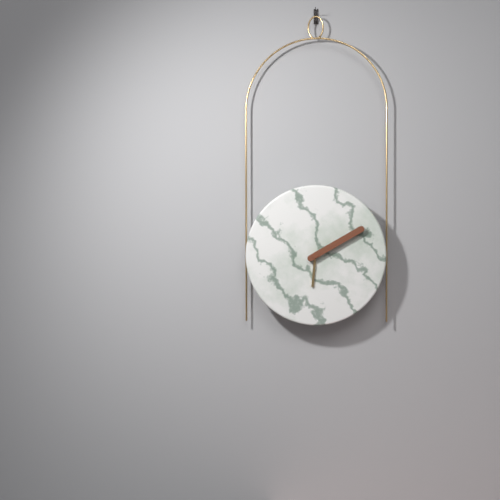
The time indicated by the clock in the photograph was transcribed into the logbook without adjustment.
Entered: 6:10
